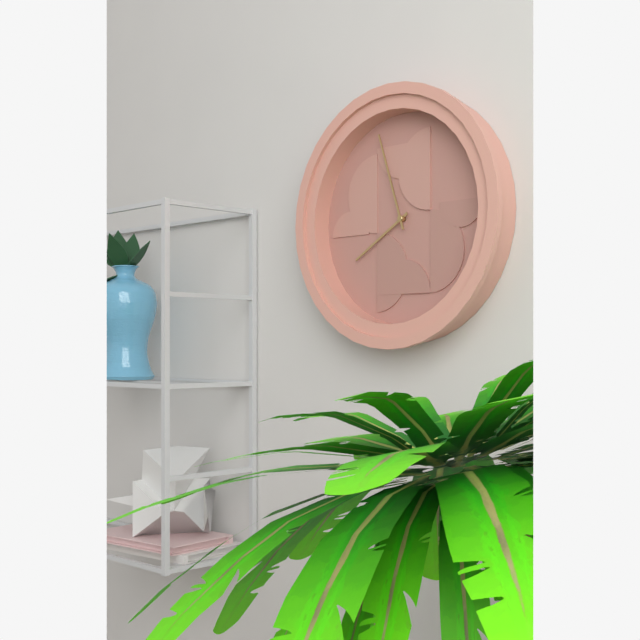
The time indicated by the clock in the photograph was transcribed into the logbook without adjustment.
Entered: 7:57
